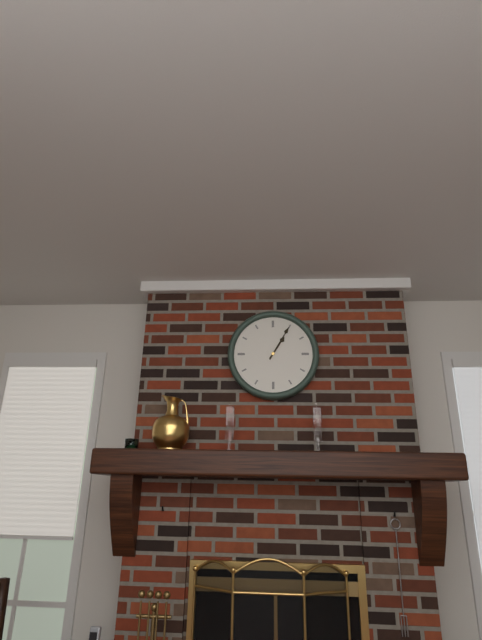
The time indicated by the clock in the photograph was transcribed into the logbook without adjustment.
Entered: 1:05
